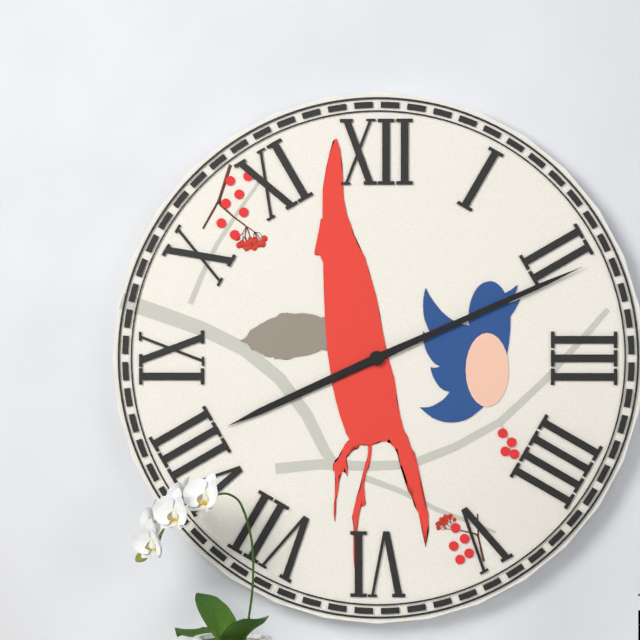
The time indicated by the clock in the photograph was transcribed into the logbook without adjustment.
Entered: 8:11
